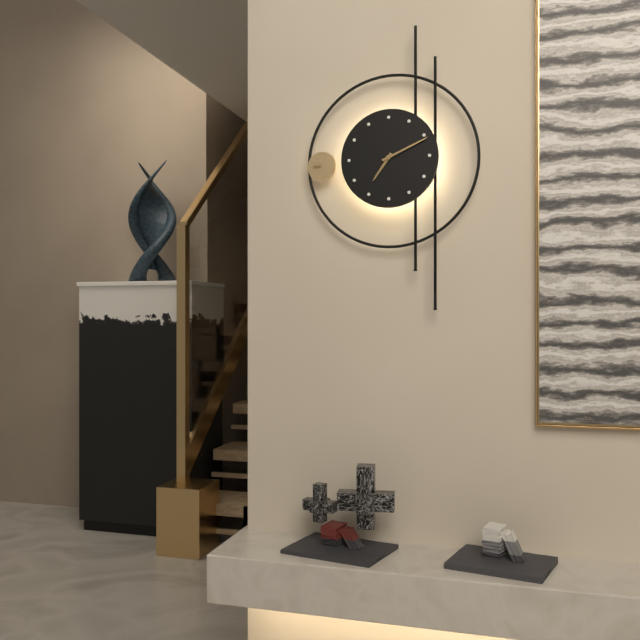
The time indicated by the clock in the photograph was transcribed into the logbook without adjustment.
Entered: 7:11
